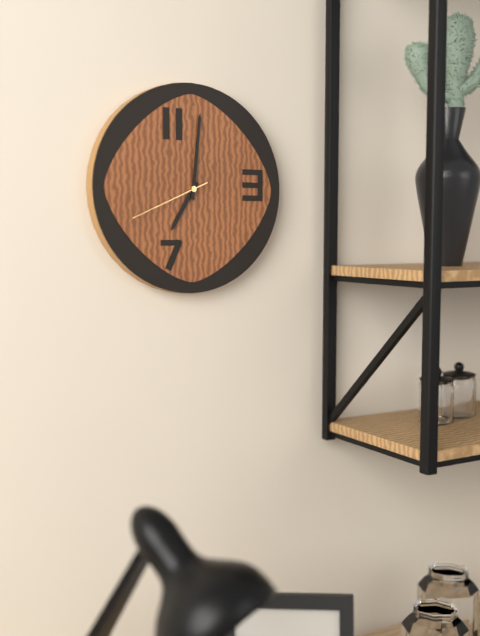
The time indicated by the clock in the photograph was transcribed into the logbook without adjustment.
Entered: 7:01:41
